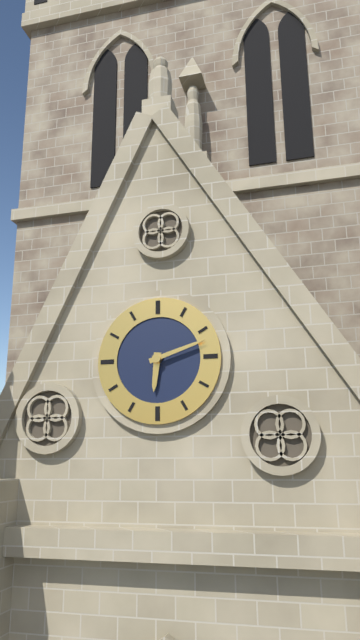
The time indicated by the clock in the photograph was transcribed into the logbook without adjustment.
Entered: 6:12
